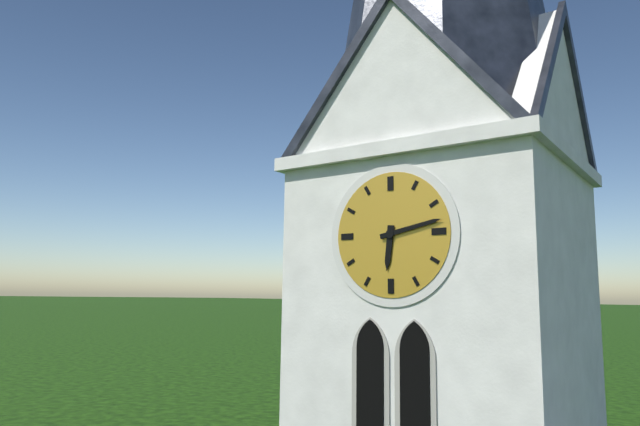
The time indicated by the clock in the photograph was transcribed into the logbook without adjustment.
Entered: 6:13
